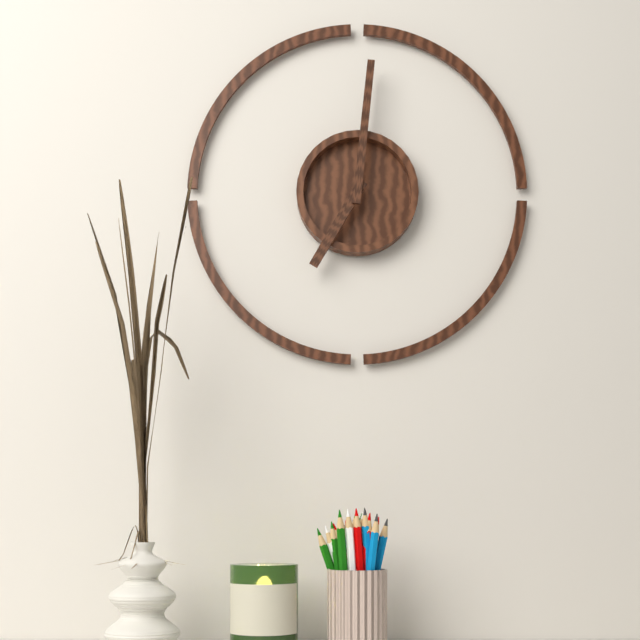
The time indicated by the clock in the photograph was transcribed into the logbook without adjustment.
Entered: 7:01
